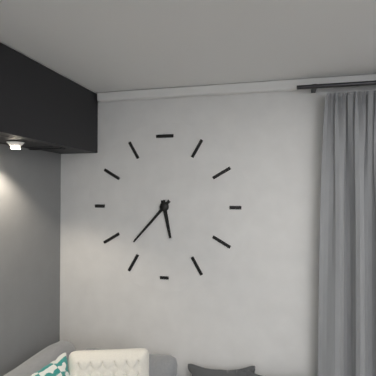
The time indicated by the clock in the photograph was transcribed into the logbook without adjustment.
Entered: 5:37
